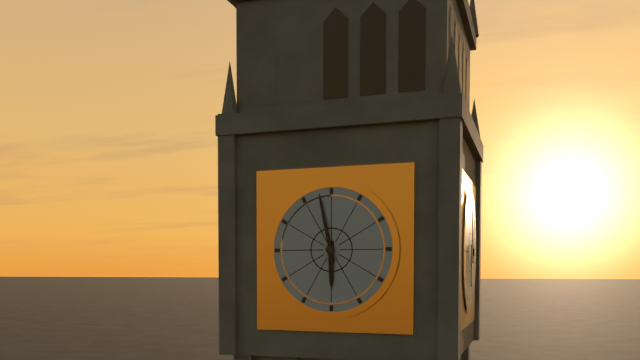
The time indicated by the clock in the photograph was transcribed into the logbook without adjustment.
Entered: 5:58
